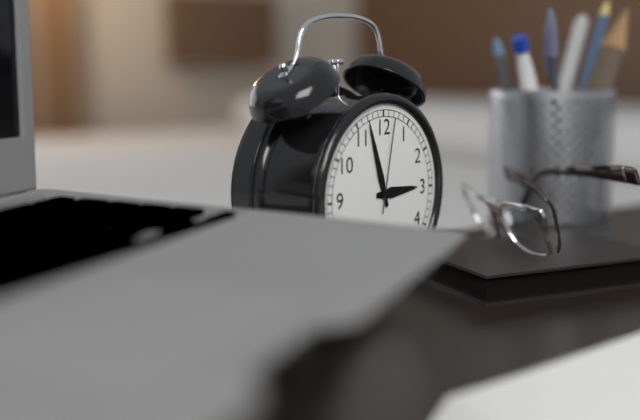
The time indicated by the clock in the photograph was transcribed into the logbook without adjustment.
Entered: 2:57:02
